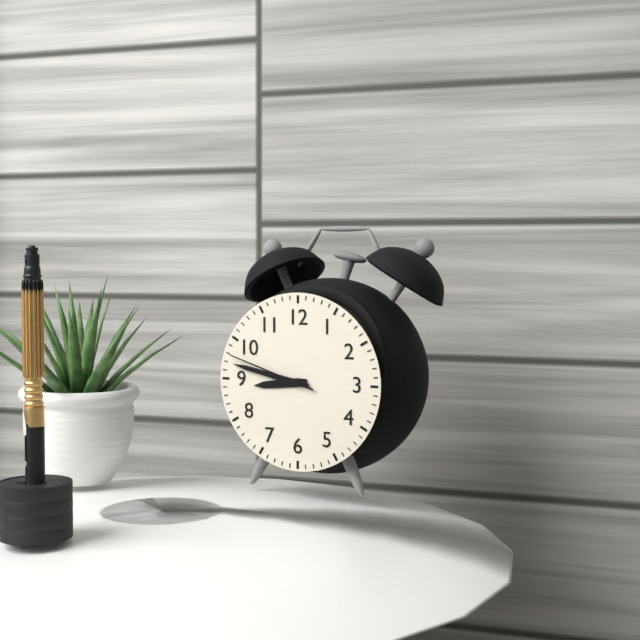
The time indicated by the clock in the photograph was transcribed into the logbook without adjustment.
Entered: 8:47:48
